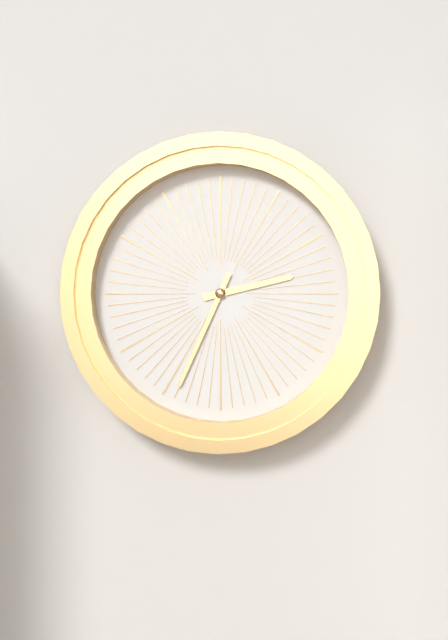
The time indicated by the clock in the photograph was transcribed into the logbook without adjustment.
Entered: 2:34
